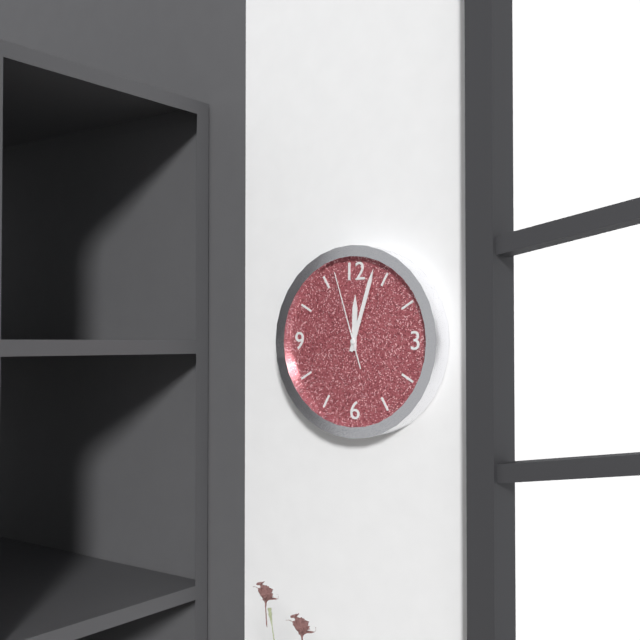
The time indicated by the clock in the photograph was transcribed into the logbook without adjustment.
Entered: 12:03:57
